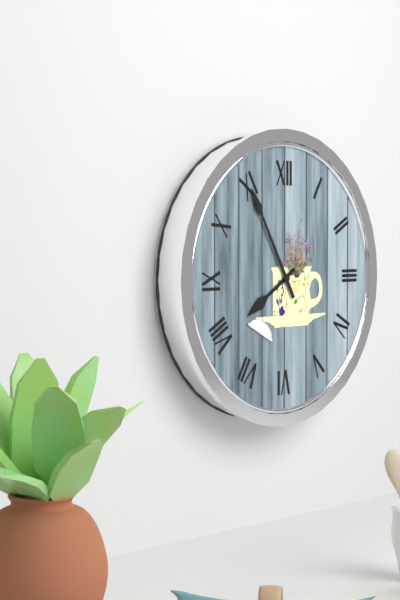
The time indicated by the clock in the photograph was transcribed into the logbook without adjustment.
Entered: 7:55
